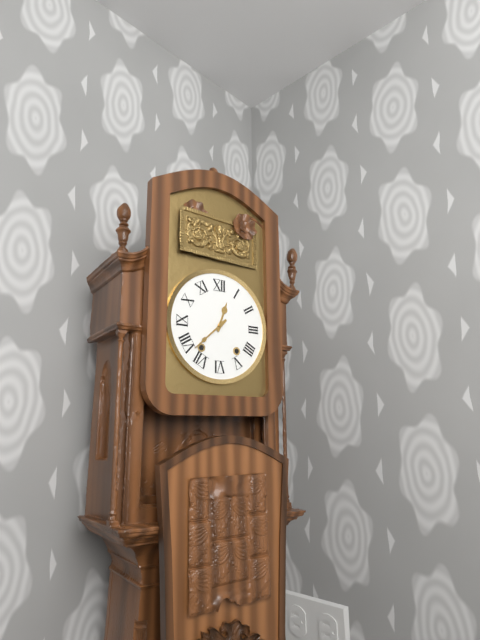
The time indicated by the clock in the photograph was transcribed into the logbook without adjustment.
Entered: 12:38
